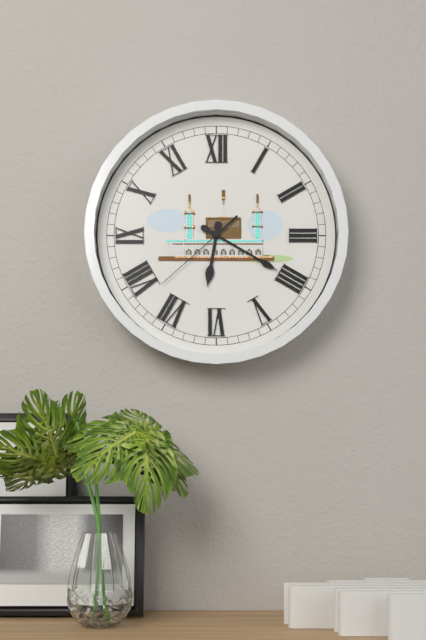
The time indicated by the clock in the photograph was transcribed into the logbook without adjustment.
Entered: 6:20:38
